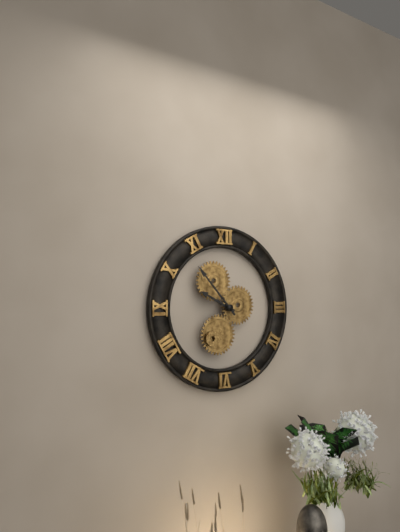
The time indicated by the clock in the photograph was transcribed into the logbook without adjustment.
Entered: 9:53
